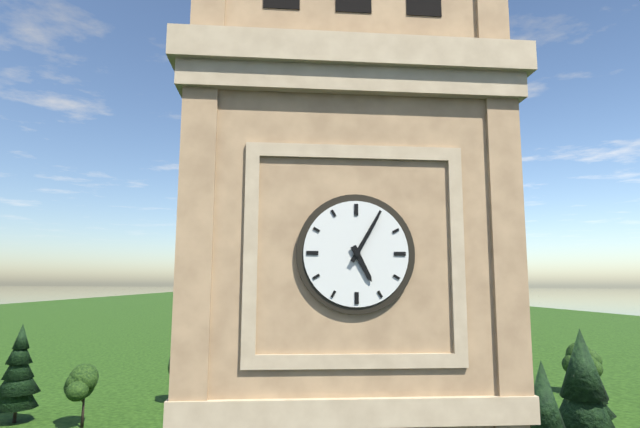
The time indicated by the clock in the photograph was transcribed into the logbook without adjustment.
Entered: 5:05
